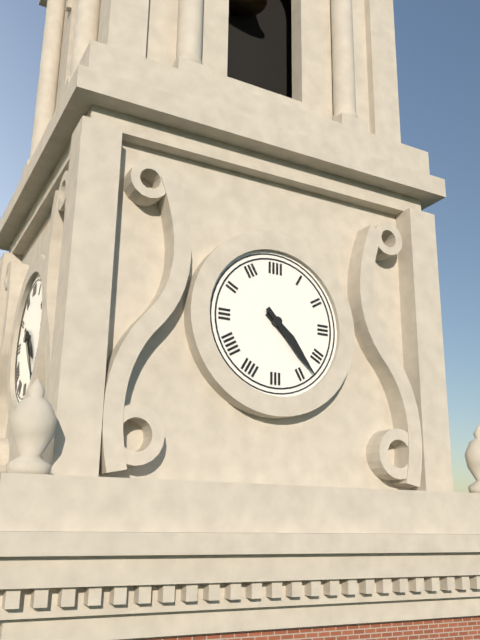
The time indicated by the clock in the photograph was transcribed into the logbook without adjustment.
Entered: 4:23
